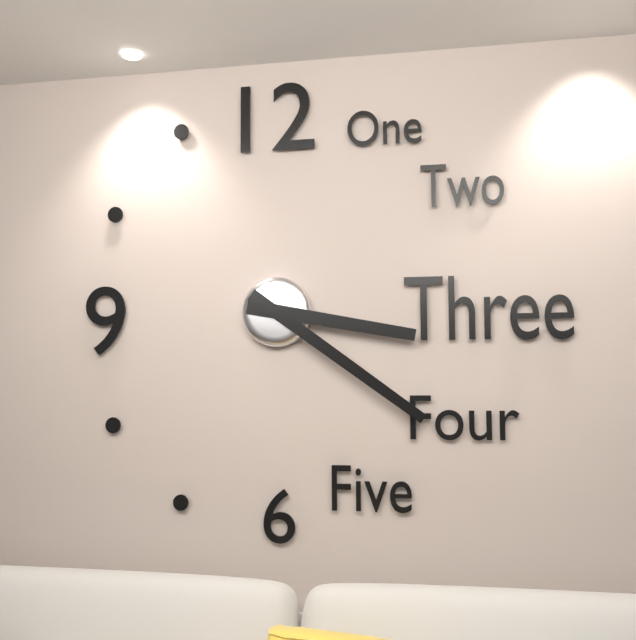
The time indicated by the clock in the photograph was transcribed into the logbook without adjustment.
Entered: 3:21
